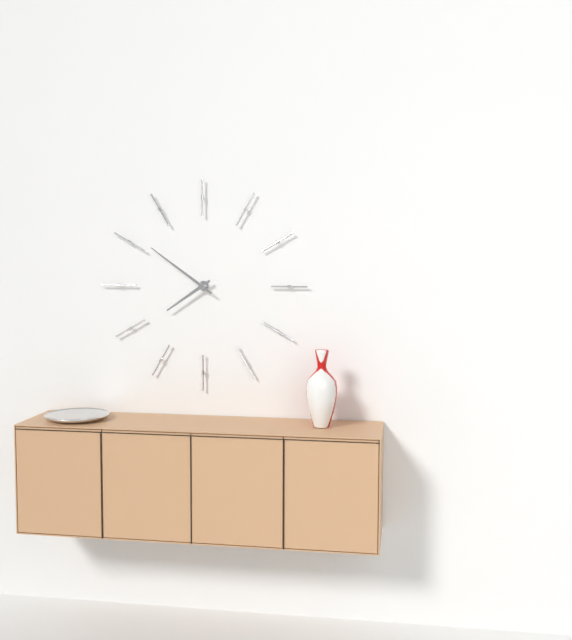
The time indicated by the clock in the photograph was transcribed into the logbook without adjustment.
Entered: 7:51
